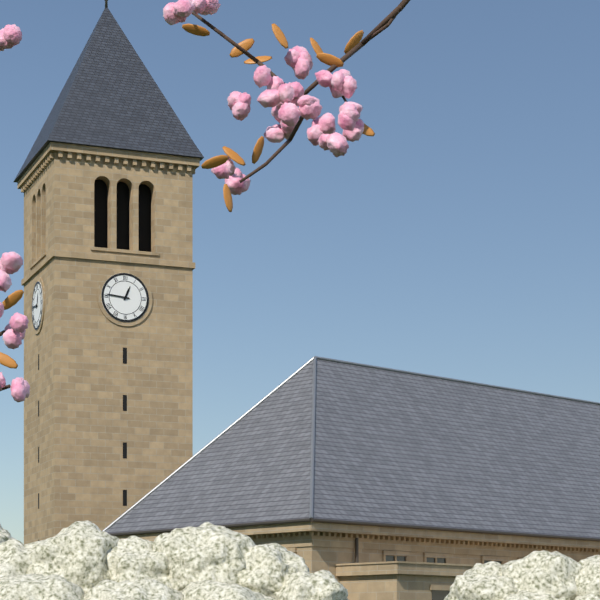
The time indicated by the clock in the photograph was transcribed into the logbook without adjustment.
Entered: 12:46
